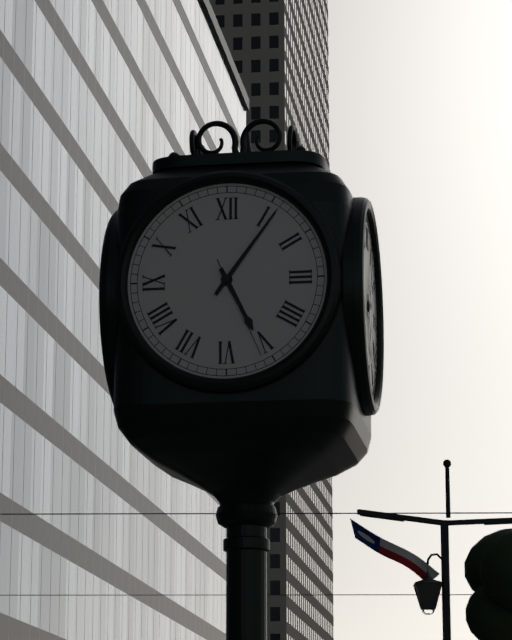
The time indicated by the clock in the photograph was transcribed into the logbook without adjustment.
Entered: 5:06:26
